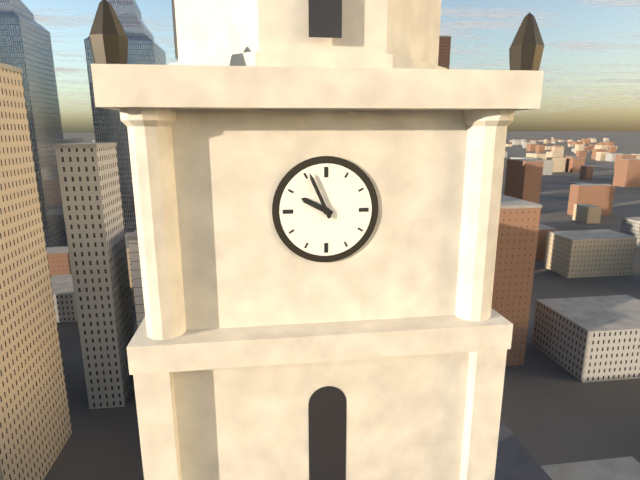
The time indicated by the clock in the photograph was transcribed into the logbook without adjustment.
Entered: 9:56
